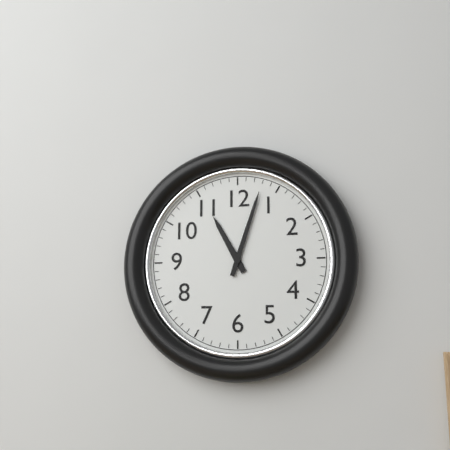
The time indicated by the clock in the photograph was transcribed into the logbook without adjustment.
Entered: 11:03
